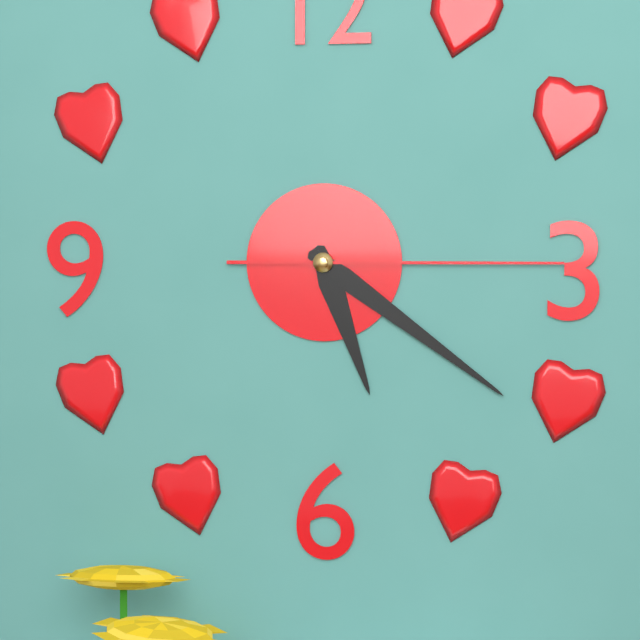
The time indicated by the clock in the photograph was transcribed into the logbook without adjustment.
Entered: 5:21:15
